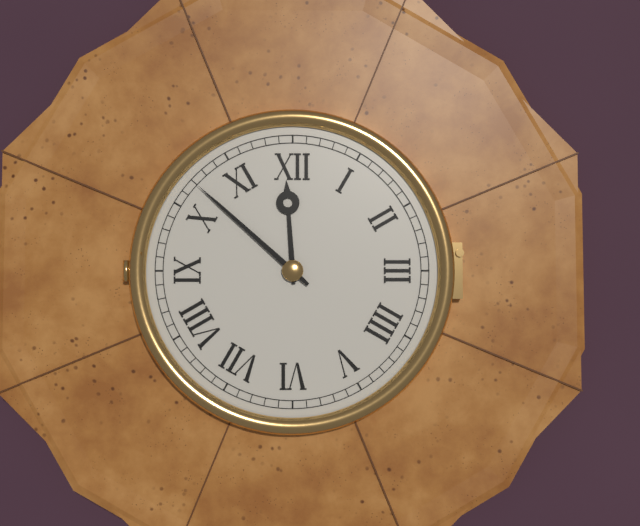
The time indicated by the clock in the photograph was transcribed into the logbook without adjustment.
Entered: 11:52
